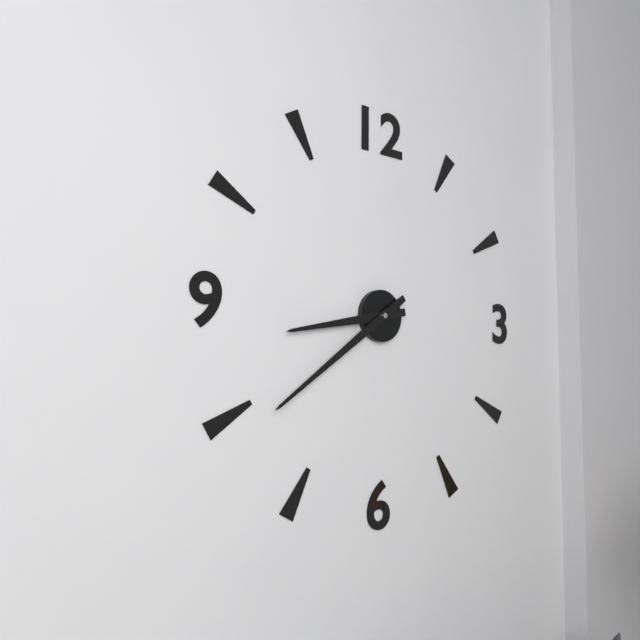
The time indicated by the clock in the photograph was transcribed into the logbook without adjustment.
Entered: 8:39
